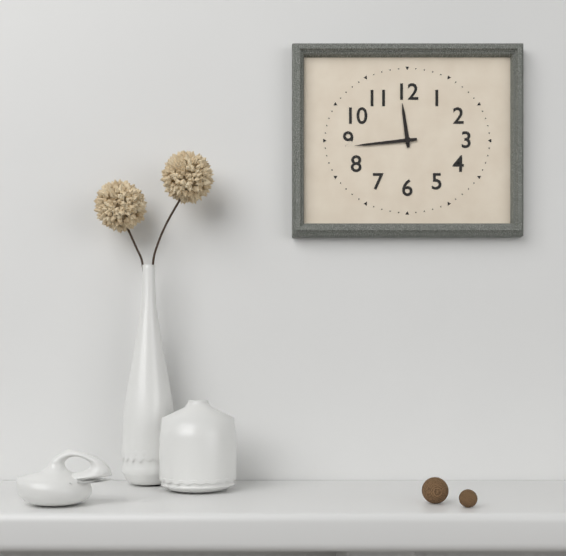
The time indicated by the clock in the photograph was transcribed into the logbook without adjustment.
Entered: 11:44
